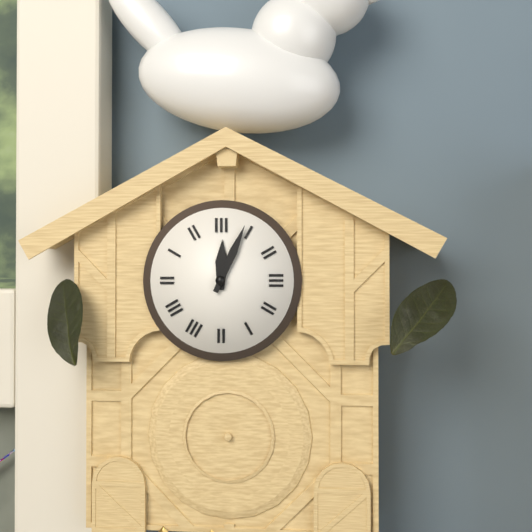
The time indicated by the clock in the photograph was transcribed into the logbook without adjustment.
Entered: 12:04
